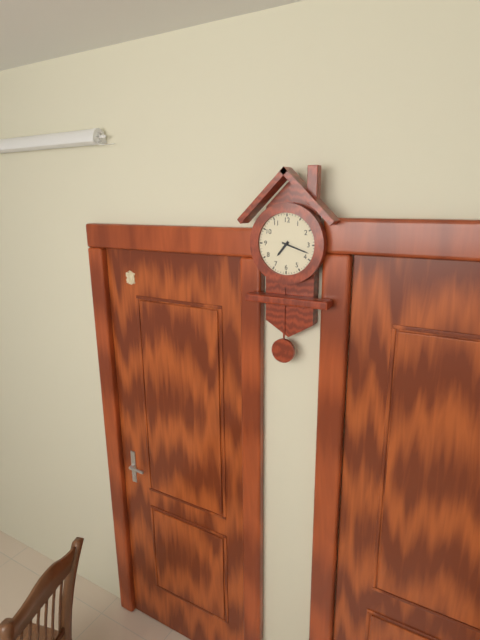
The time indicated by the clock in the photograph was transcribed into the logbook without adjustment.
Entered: 7:18
